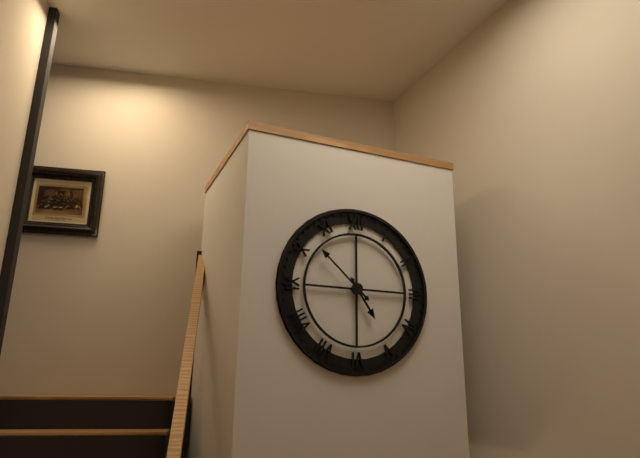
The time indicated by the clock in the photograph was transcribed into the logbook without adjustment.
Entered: 4:52
